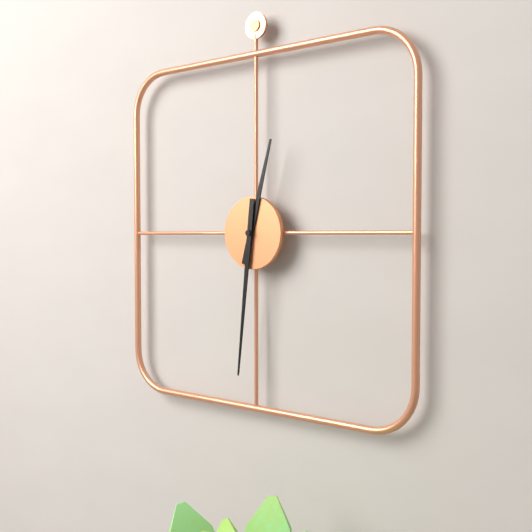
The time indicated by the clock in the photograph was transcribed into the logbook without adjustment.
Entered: 12:31
